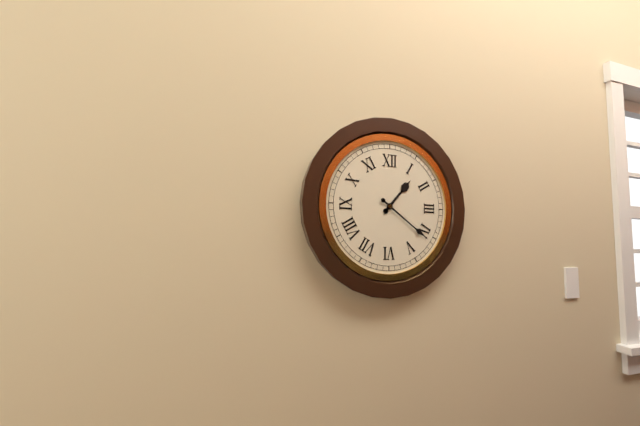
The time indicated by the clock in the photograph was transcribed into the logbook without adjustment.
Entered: 1:21
